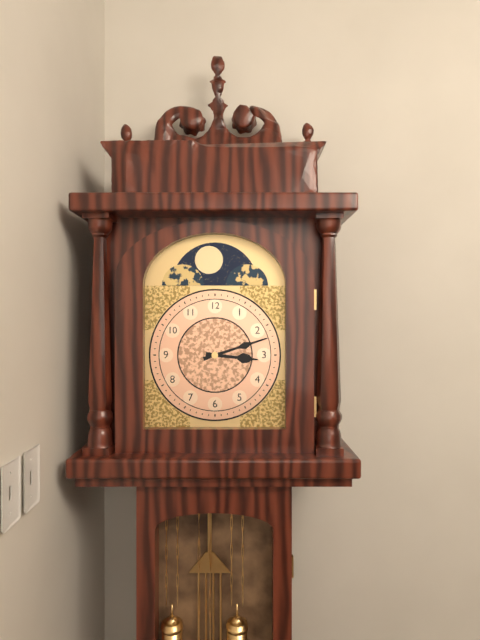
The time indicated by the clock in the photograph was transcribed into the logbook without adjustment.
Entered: 3:12
